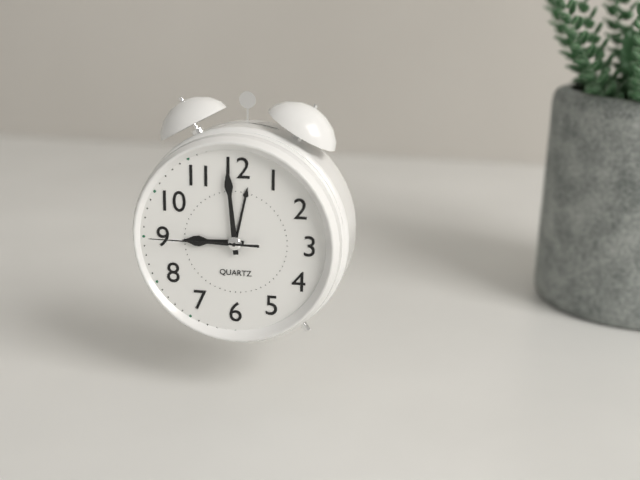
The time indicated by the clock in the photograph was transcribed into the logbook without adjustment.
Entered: 8:59:45
